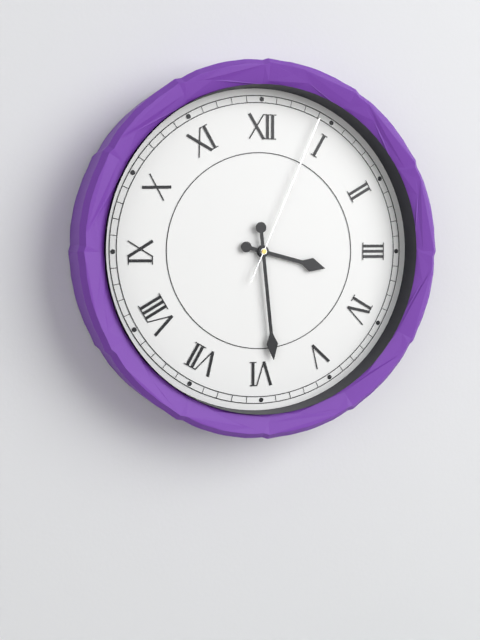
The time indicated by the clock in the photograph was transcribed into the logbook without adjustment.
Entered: 3:29:04
